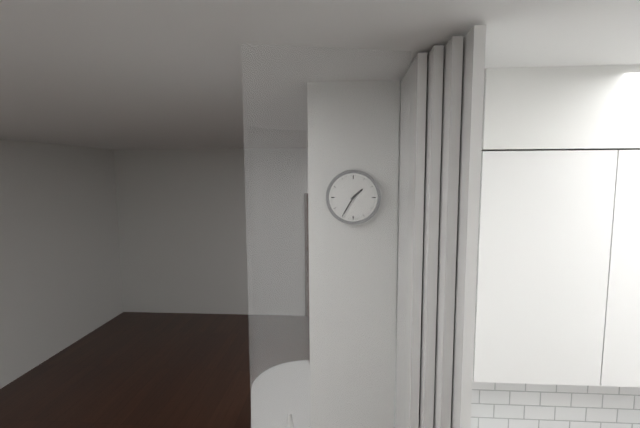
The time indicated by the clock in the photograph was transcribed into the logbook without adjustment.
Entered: 1:35
